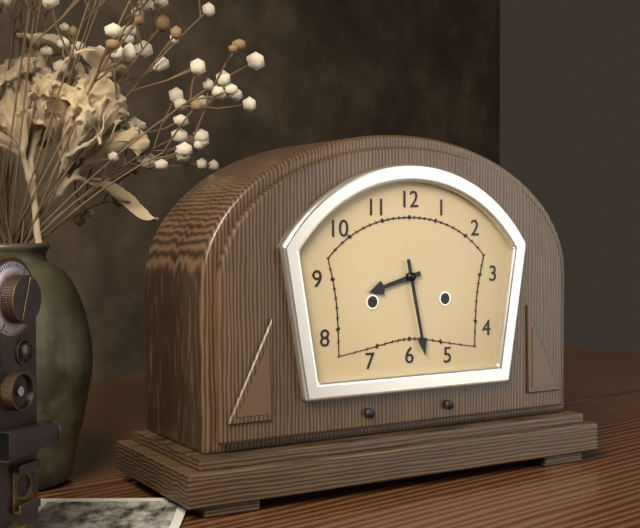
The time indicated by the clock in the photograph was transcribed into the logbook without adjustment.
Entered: 8:28
